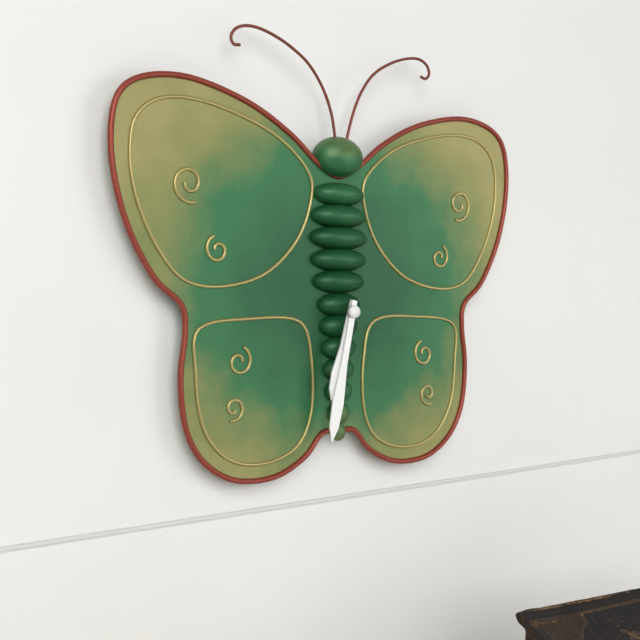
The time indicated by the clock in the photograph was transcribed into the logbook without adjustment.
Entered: 6:32
